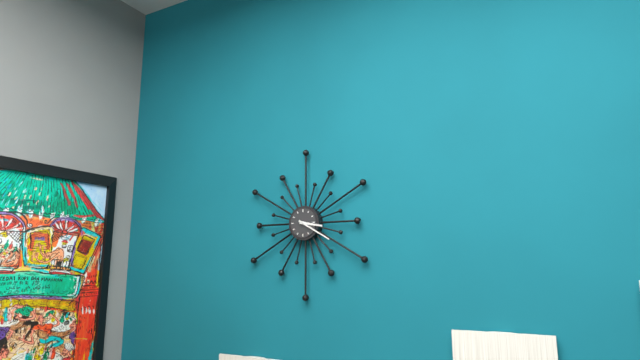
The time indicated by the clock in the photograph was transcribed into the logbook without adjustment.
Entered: 3:20
